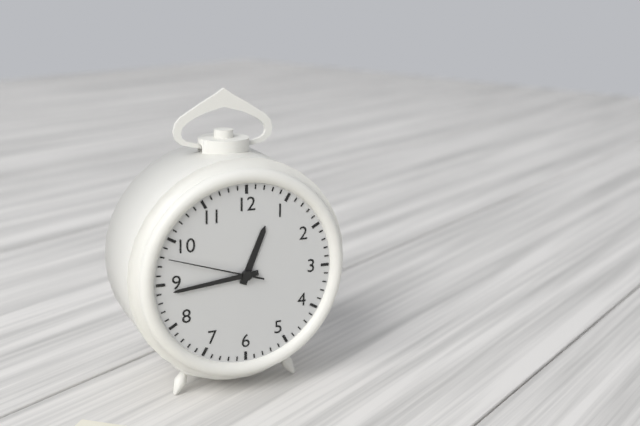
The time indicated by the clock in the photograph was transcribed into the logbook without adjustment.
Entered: 12:44:48
